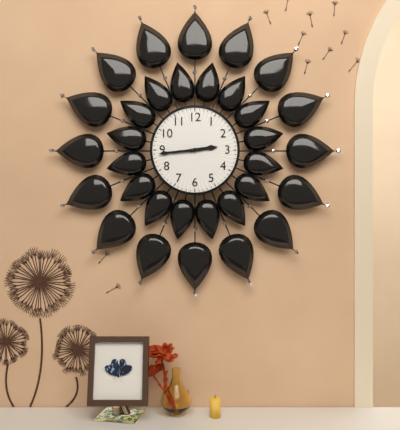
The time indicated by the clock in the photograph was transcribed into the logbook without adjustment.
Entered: 2:44
